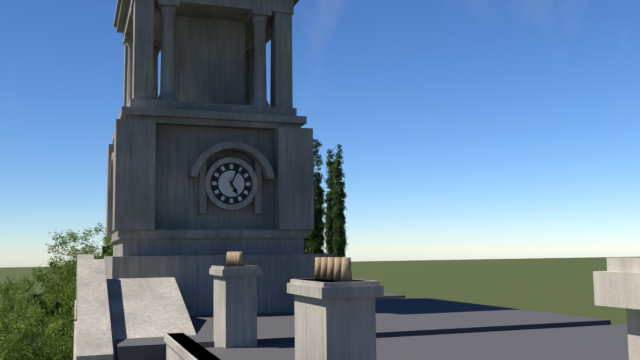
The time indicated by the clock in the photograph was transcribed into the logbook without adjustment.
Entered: 5:04
